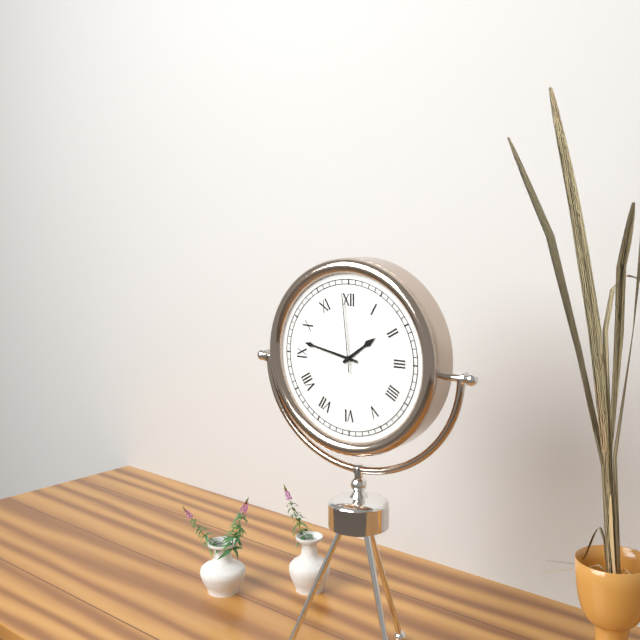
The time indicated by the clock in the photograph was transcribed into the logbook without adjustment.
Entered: 1:47:59
